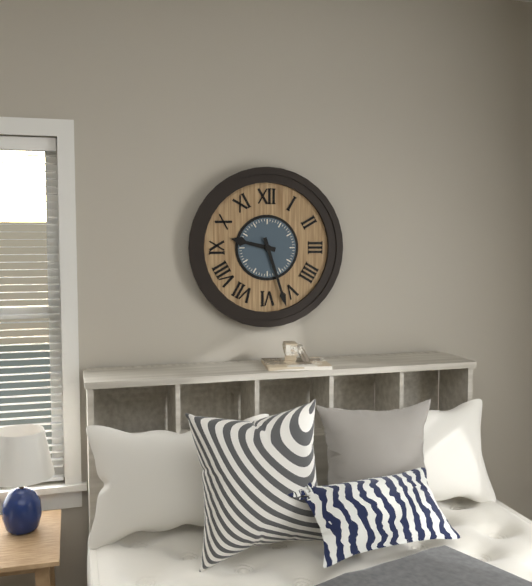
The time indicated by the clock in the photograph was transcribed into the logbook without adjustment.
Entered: 9:27
